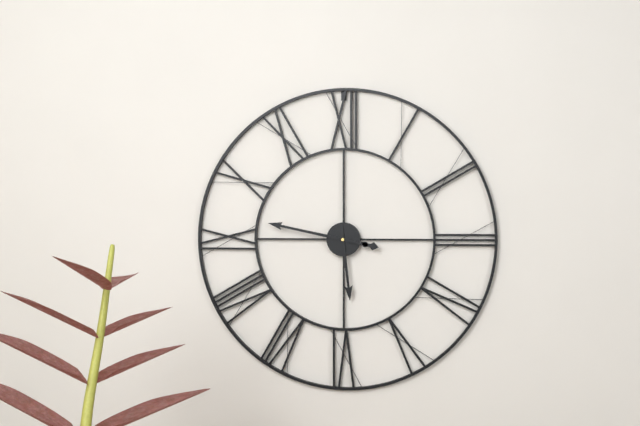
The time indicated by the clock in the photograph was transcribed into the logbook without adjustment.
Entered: 5:47
